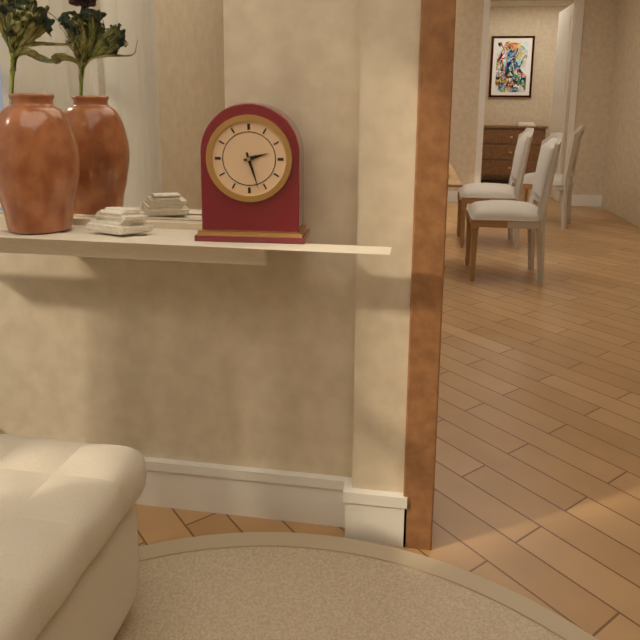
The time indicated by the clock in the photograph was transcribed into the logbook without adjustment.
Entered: 2:27
